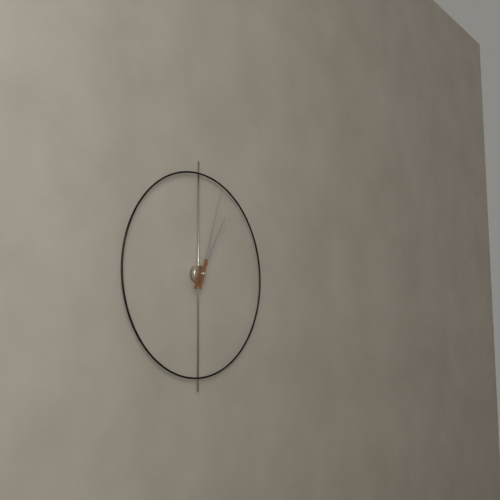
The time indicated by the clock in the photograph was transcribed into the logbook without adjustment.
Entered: 1:03
